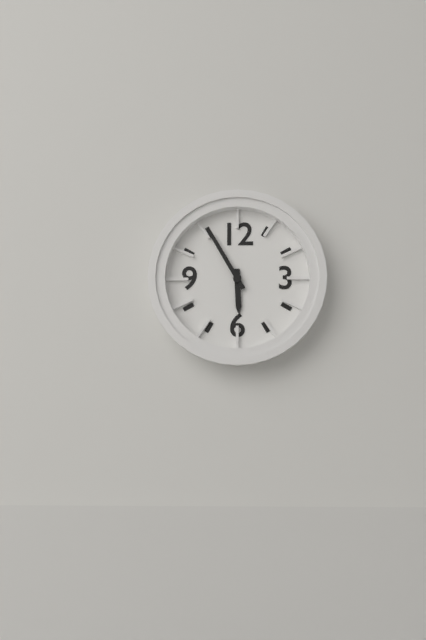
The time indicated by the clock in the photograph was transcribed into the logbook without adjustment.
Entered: 5:55
